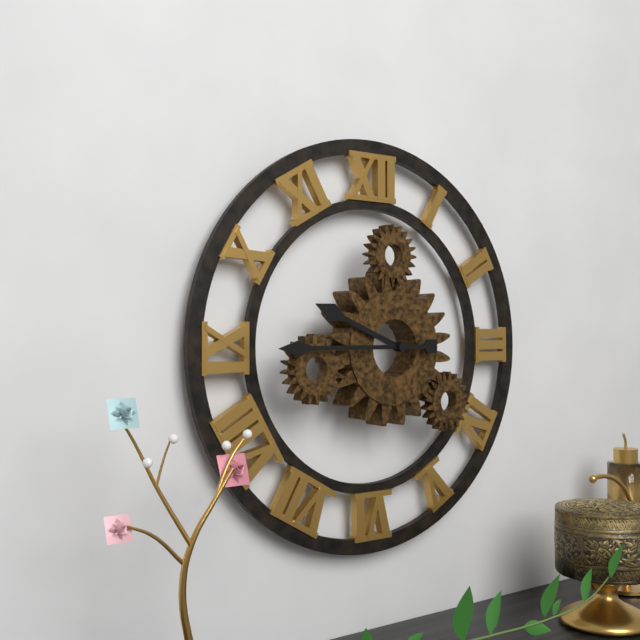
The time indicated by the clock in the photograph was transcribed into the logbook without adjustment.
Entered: 9:45
